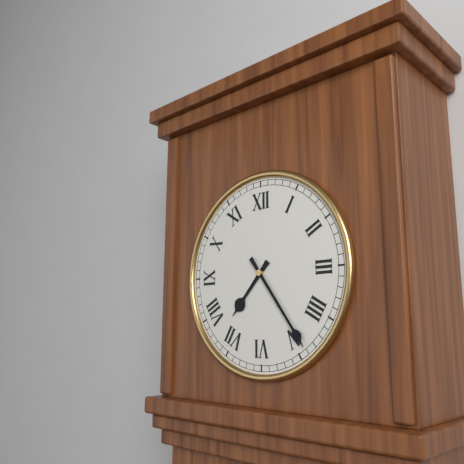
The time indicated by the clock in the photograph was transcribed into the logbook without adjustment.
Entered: 7:24
